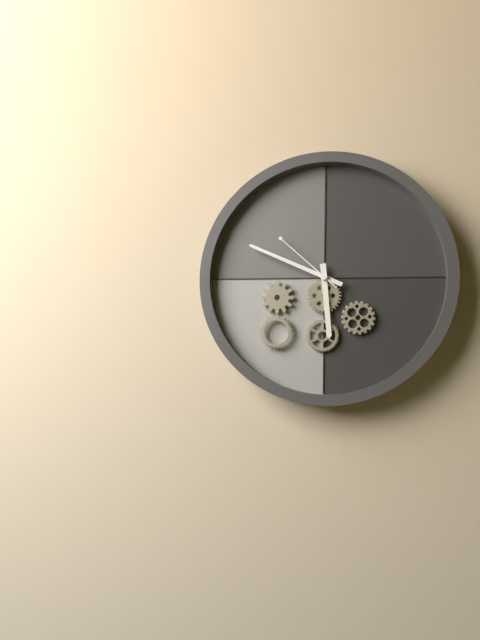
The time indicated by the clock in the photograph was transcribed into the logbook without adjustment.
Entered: 5:49:52
